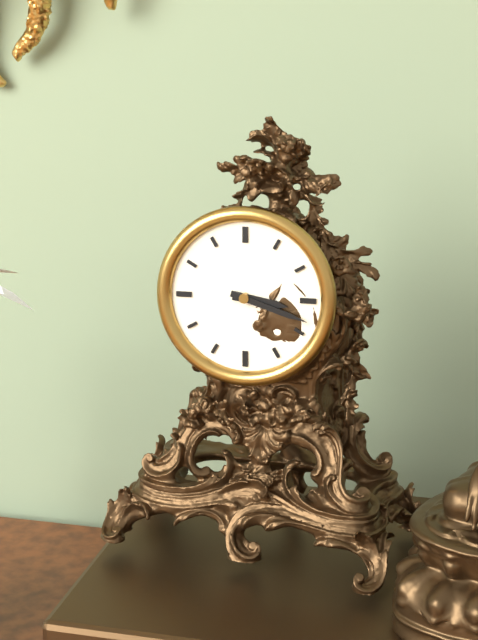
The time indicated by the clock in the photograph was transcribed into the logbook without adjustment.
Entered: 3:18
